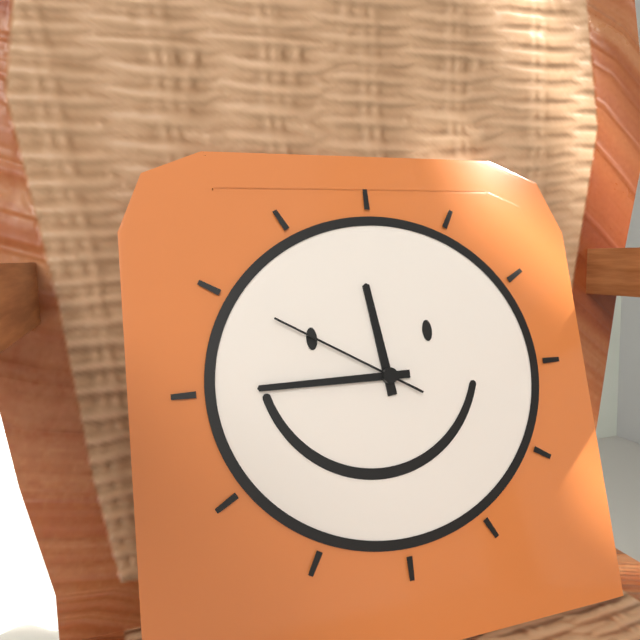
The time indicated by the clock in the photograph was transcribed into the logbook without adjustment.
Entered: 11:45:50
